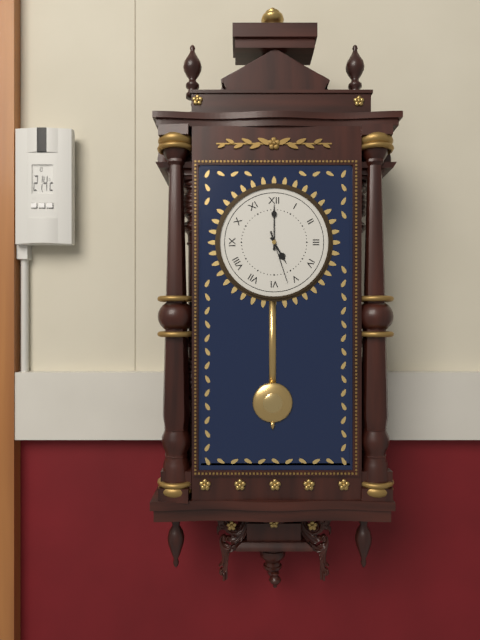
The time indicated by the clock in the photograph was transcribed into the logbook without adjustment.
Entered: 5:00:27
